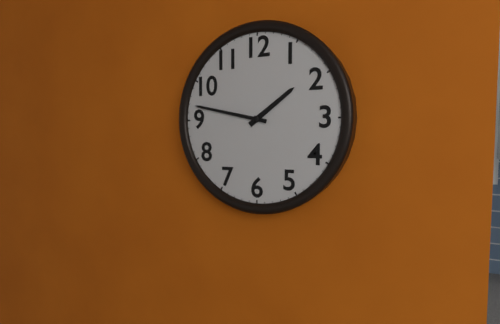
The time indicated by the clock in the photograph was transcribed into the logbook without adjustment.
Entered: 1:47
